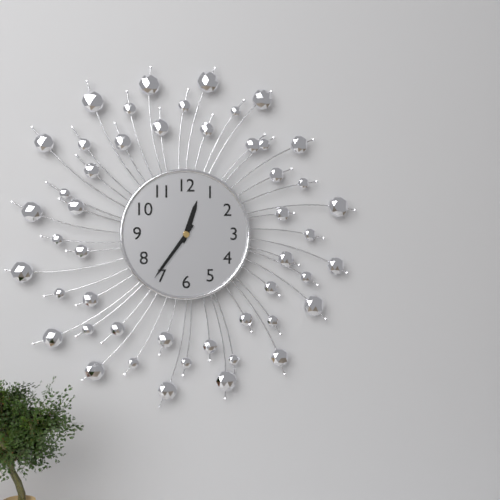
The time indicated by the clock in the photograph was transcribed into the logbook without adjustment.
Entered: 12:36
